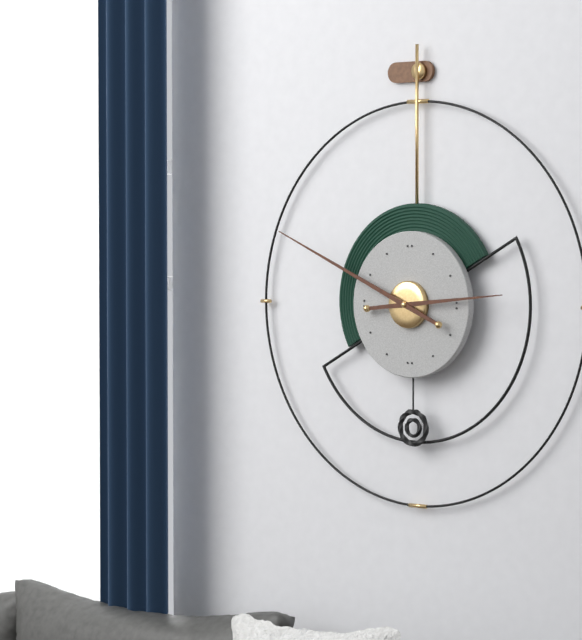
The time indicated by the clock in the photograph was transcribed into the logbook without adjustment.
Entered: 2:49
